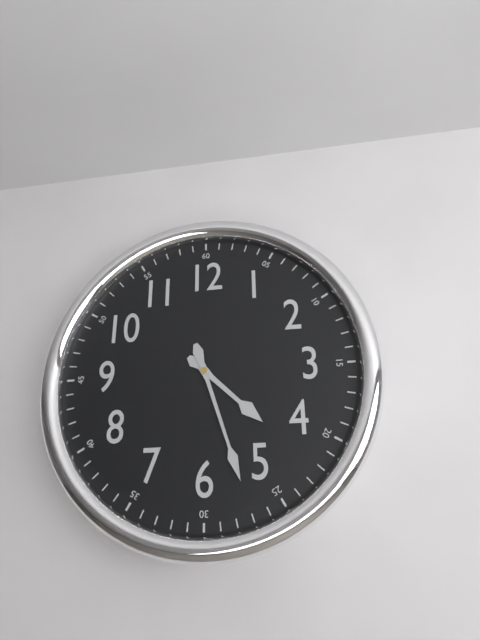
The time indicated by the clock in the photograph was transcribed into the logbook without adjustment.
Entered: 4:27
